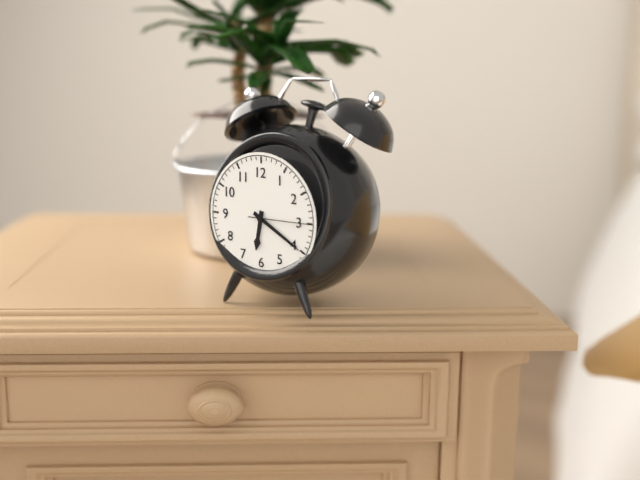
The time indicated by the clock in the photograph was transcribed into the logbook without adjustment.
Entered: 6:20:15
